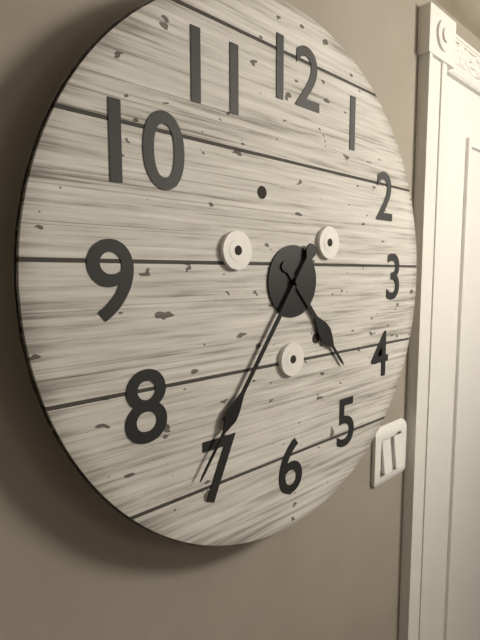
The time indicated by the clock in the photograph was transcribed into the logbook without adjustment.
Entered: 4:36
